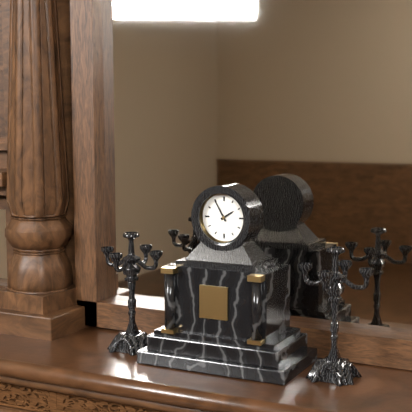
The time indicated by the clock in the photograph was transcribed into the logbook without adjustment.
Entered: 1:55
